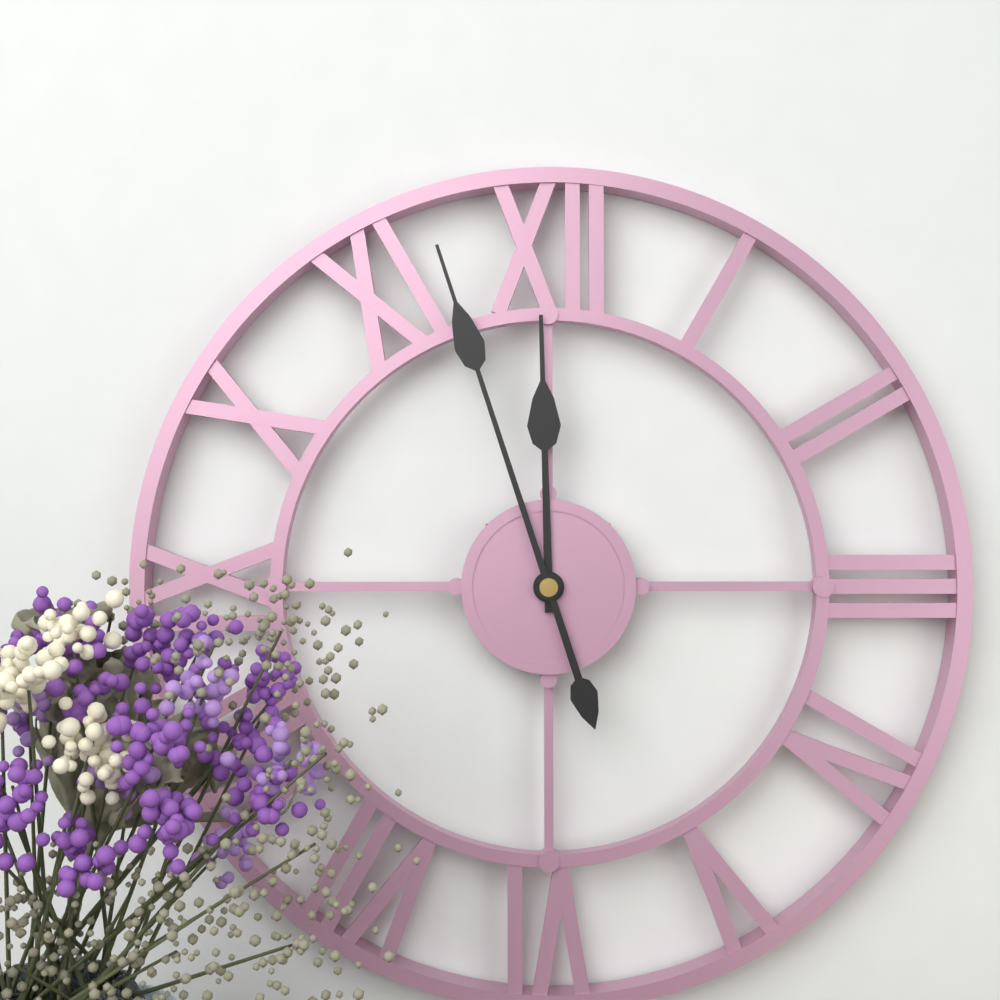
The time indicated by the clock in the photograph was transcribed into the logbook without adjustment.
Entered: 11:57
